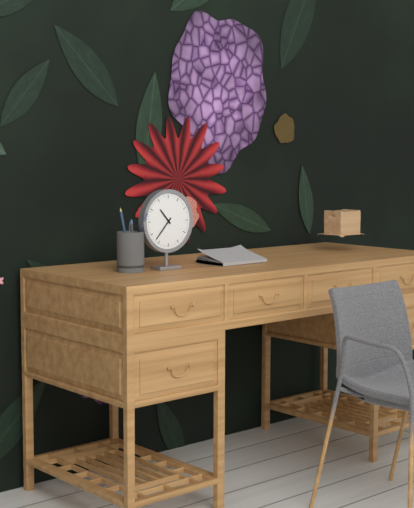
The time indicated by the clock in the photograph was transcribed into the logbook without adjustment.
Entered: 10:37
